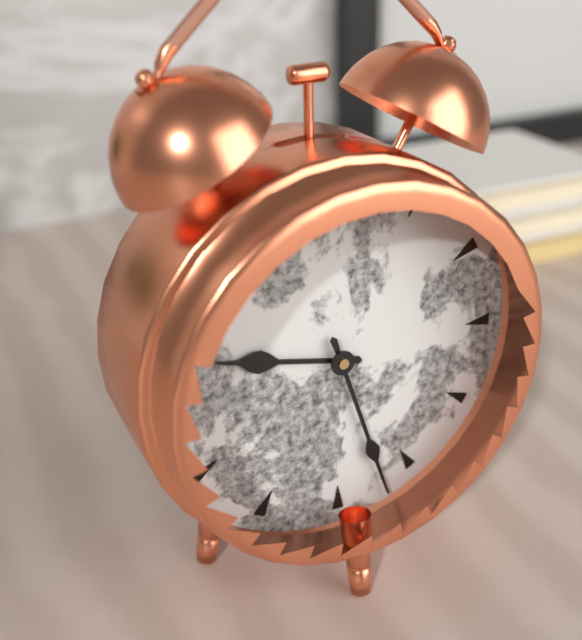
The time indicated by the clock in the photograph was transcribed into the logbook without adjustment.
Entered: 9:27
